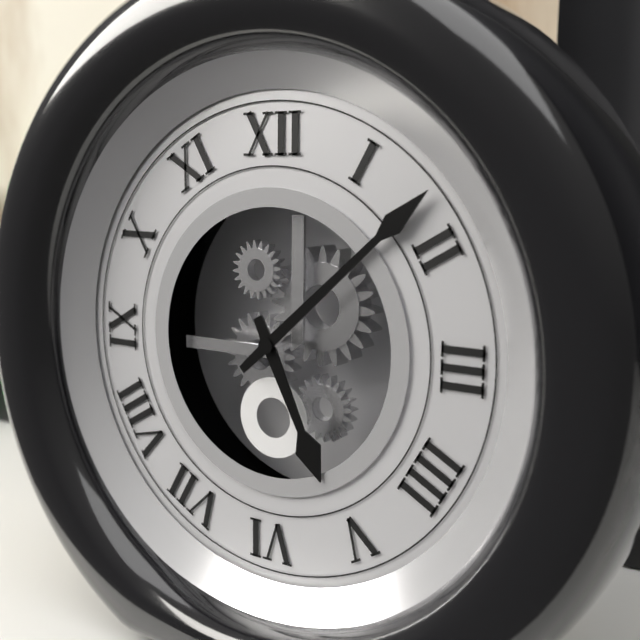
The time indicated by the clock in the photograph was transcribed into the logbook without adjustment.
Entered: 5:08
